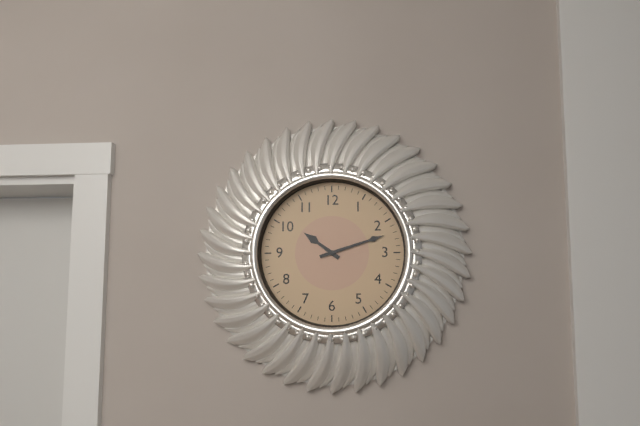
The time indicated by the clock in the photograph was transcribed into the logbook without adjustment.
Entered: 10:12
